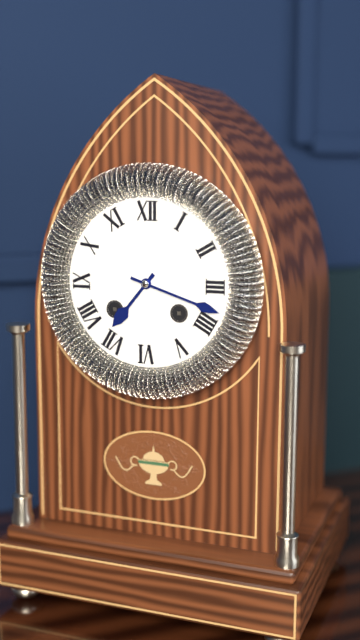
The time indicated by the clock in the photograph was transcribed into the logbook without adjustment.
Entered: 7:18
